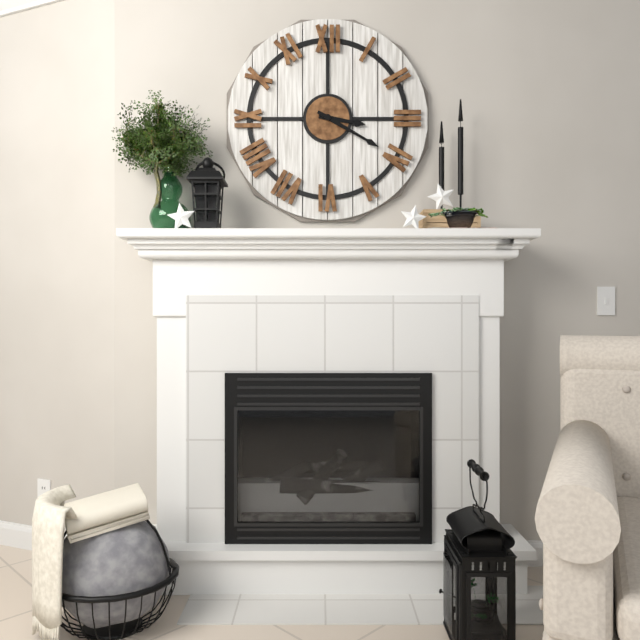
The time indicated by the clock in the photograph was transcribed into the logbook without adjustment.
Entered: 3:20
